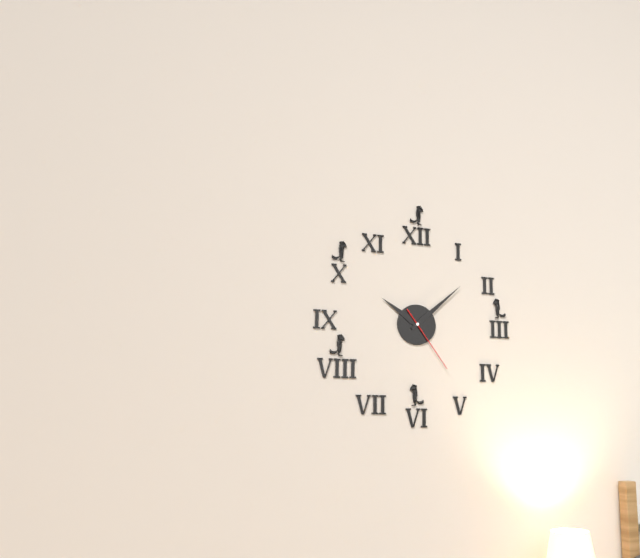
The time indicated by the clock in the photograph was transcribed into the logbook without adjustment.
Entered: 10:08:24
